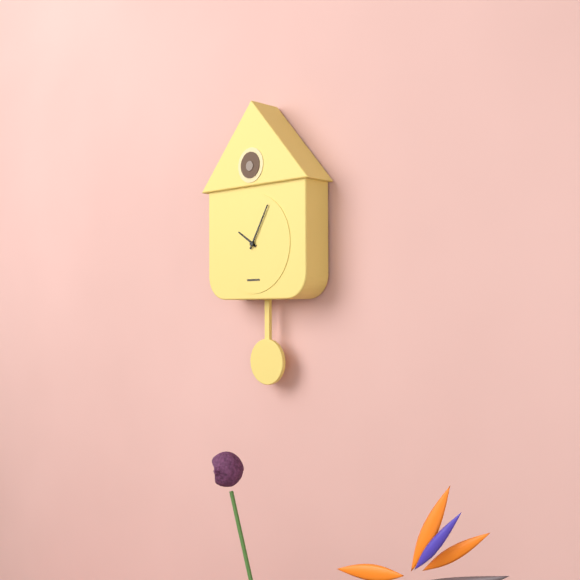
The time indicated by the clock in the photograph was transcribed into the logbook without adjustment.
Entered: 10:05
